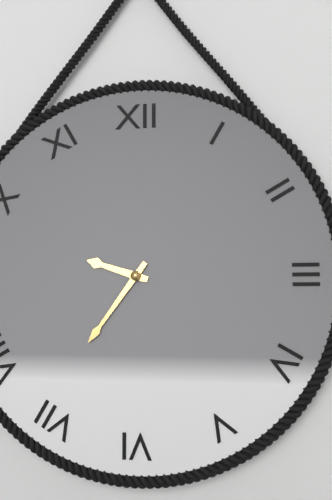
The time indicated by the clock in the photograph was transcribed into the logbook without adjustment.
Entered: 9:36
